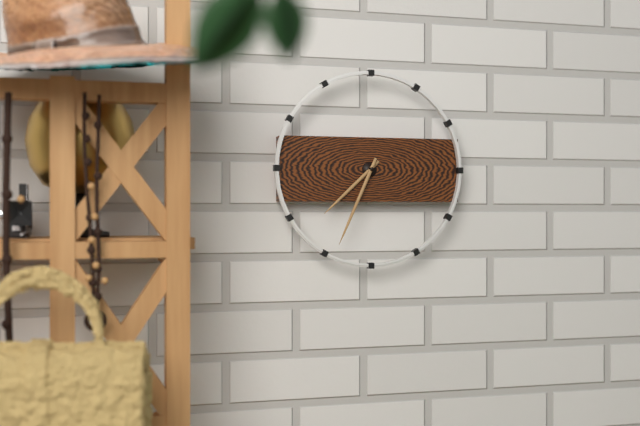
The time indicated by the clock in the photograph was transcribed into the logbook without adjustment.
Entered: 7:34
